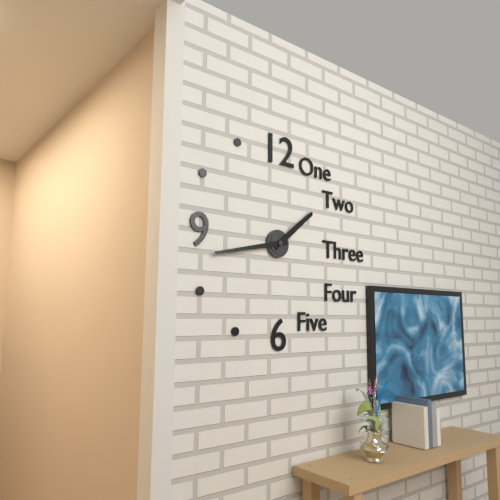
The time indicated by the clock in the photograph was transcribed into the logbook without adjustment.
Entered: 1:43
